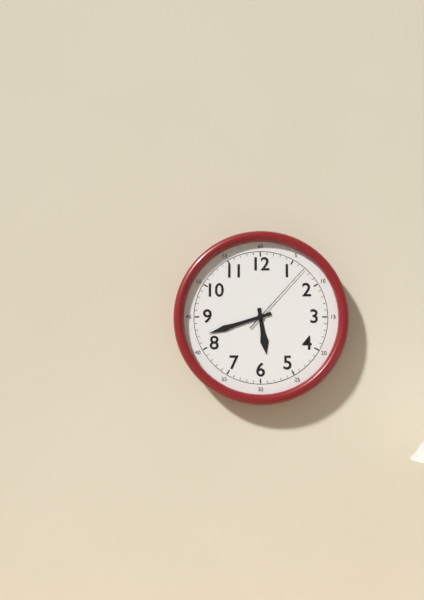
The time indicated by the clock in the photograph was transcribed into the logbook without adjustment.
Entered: 5:42:07
